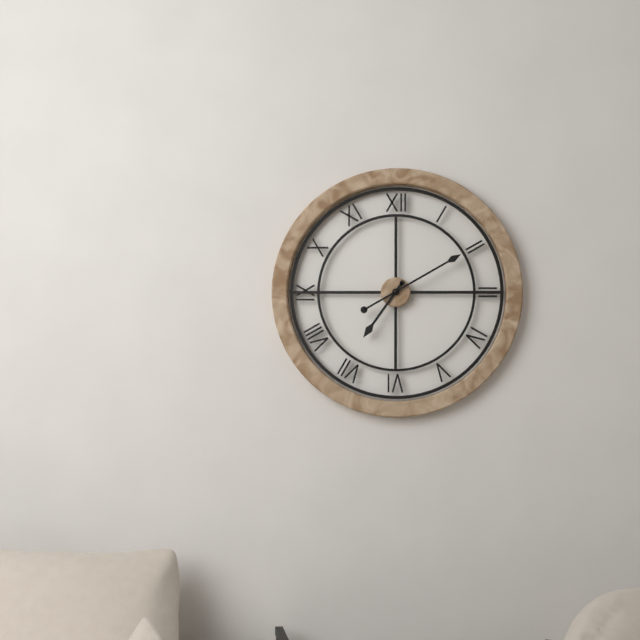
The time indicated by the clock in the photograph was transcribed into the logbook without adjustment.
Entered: 7:10
